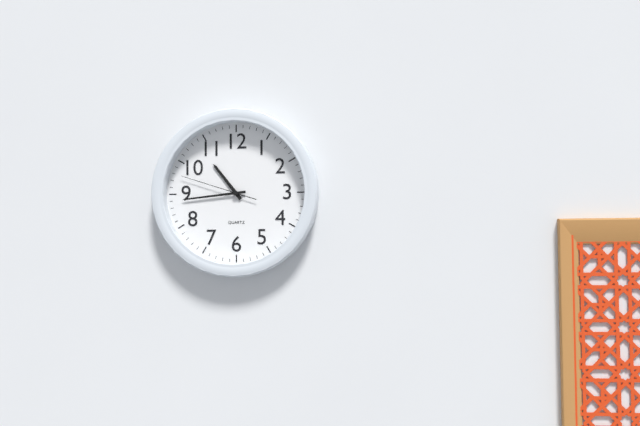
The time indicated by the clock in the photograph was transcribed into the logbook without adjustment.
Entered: 10:44:48
